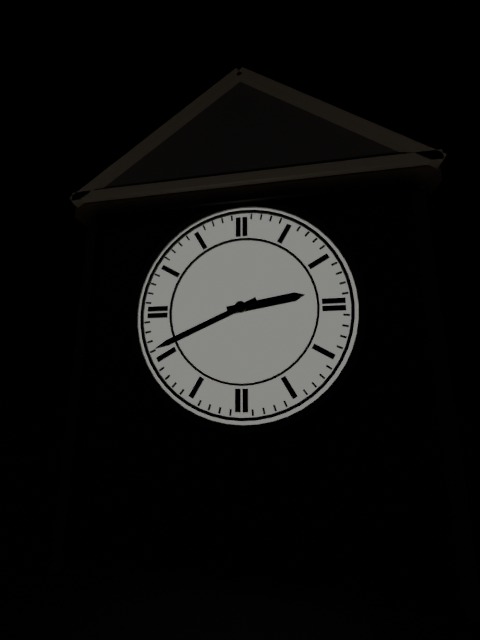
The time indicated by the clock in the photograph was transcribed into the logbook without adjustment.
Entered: 2:41
